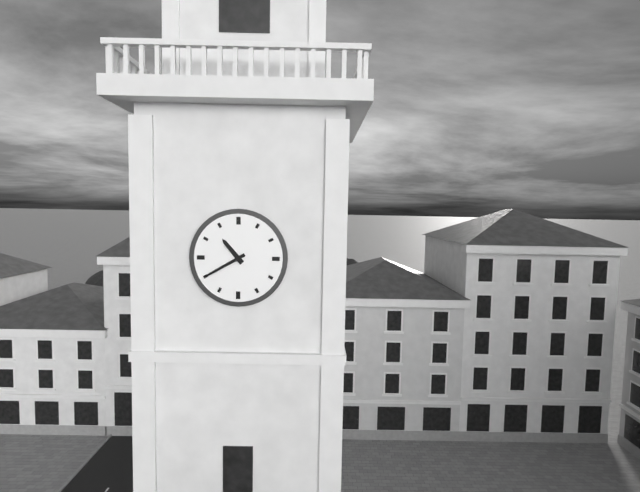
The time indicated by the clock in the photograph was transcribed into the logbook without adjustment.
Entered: 10:40
